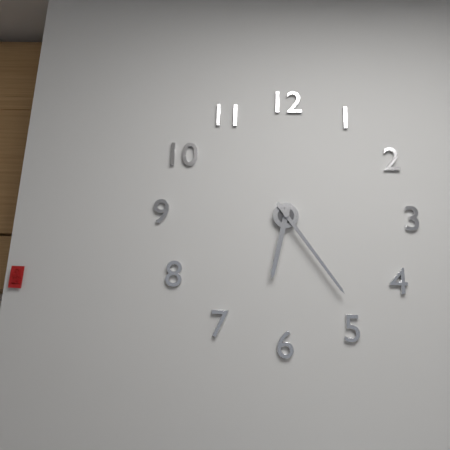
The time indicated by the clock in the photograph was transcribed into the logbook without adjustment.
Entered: 6:24
